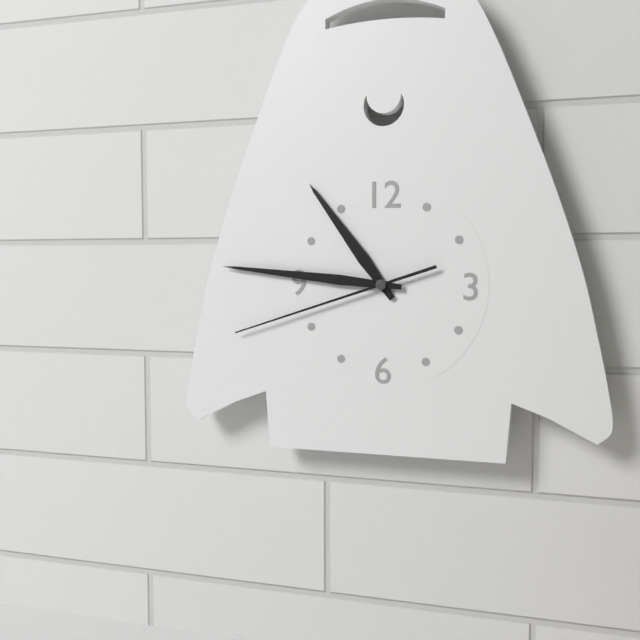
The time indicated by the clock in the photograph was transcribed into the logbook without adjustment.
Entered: 10:46:42
